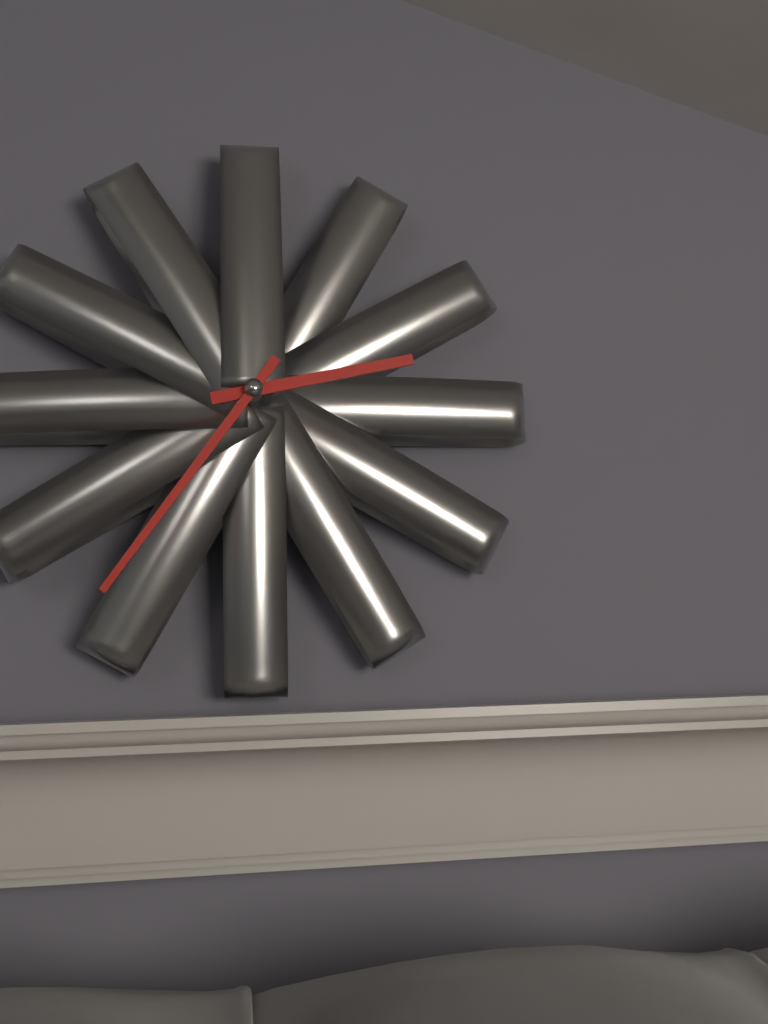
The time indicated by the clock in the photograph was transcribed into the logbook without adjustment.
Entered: 2:36
